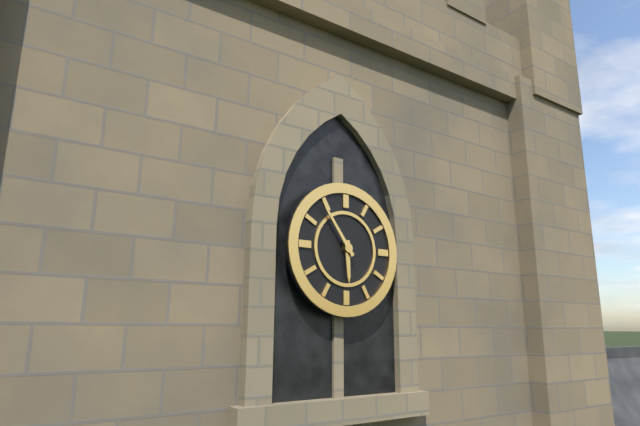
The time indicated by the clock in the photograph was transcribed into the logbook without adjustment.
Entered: 5:54
